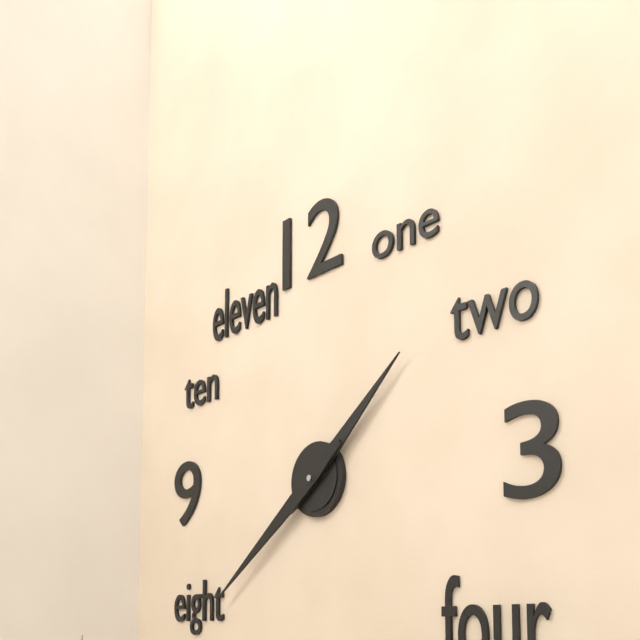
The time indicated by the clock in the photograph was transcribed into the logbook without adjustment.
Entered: 1:39
